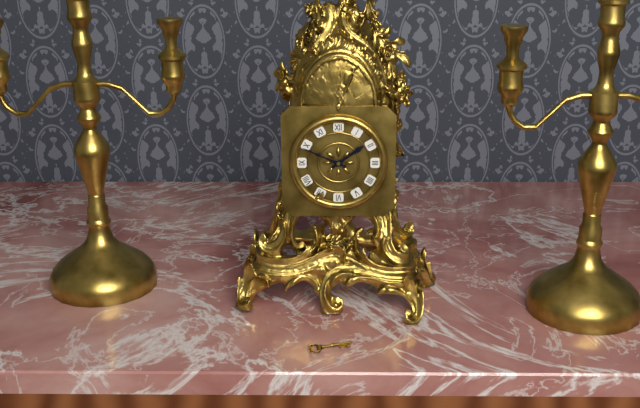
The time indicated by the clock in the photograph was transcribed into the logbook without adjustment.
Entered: 1:49
